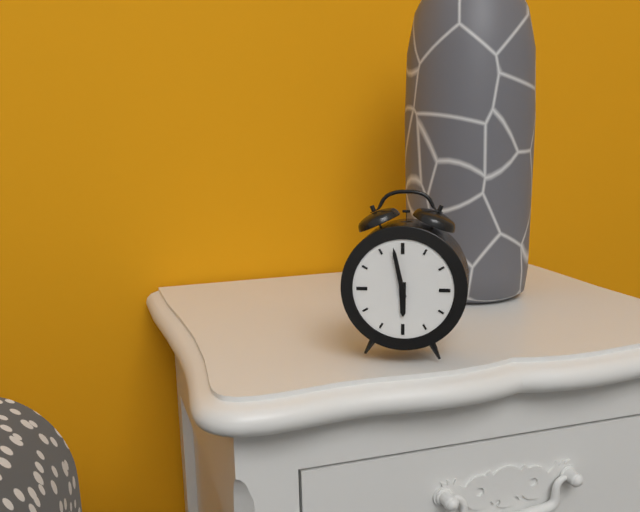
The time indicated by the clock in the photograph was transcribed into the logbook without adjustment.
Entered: 5:58
